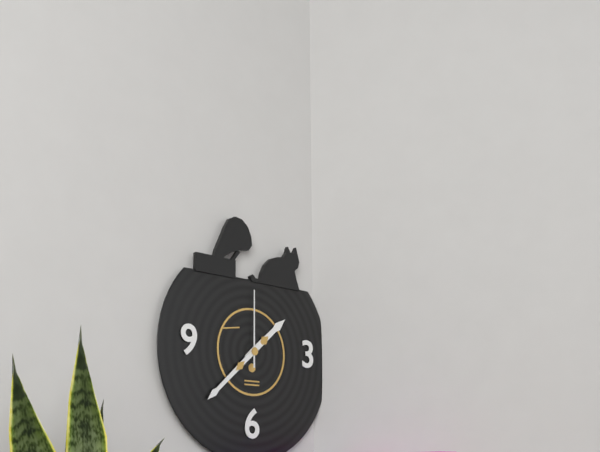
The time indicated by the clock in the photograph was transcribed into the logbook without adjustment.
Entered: 1:38:00
